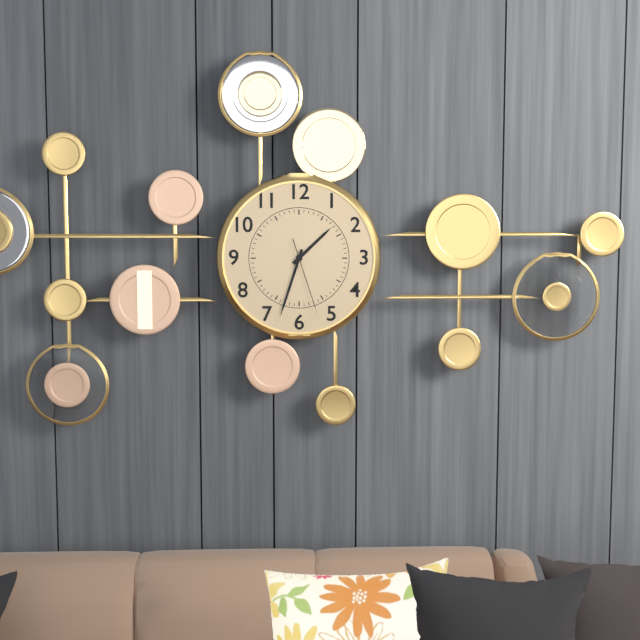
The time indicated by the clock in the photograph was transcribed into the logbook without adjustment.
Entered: 1:33:27
